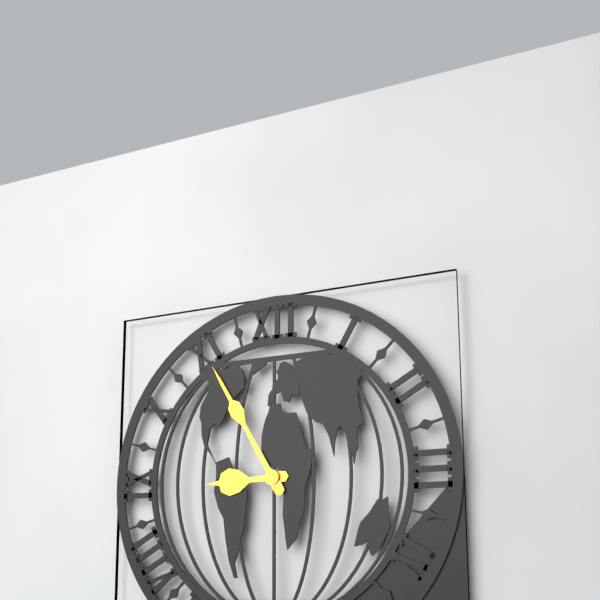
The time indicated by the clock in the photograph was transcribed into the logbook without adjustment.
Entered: 8:55
